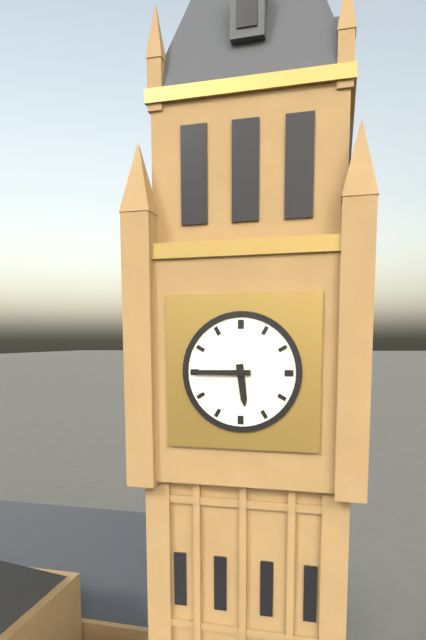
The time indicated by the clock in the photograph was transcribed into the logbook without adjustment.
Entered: 5:45
